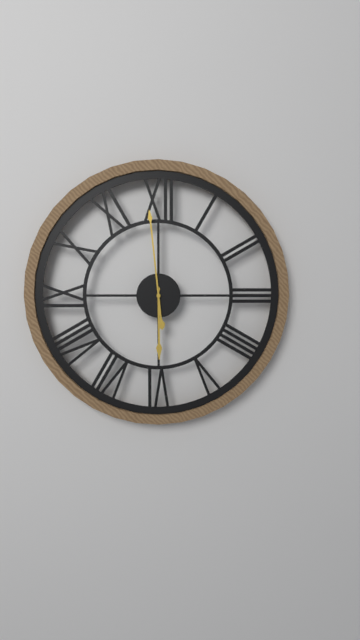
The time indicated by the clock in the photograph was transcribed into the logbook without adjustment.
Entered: 5:59
